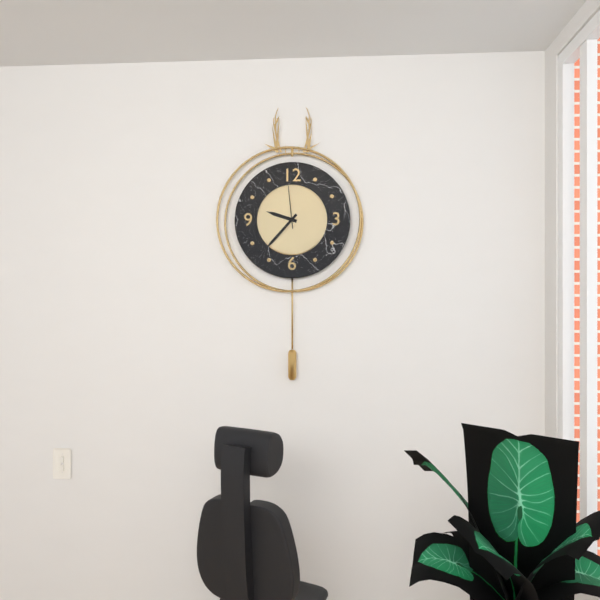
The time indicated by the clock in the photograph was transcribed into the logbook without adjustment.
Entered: 9:37
